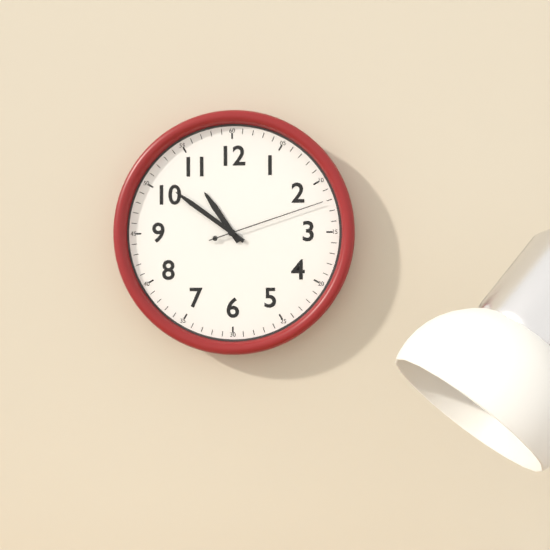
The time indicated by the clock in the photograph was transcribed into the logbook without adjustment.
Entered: 10:51:12
